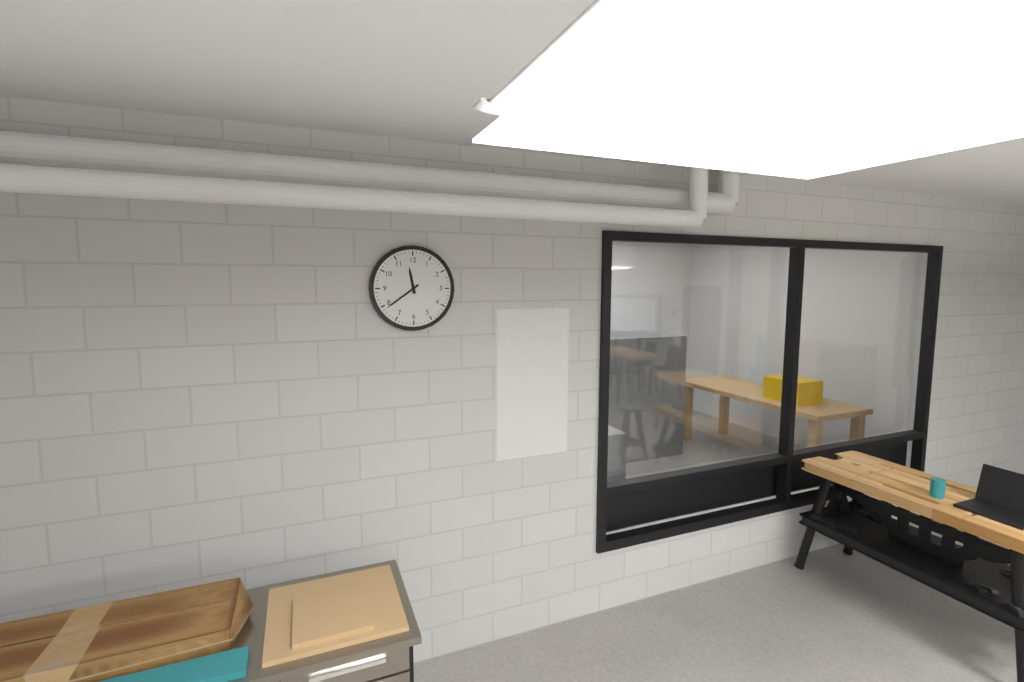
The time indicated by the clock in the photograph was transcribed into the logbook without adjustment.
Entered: 11:39
